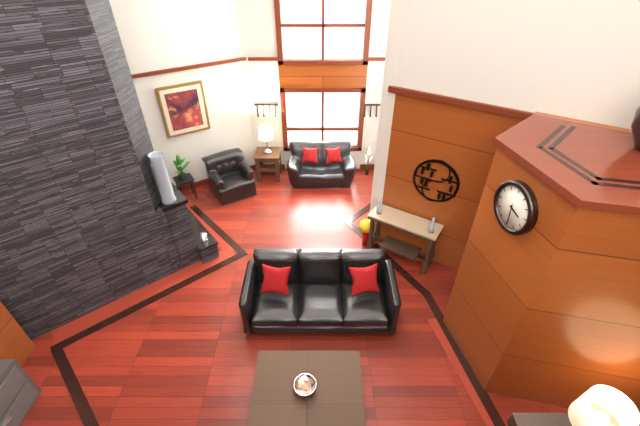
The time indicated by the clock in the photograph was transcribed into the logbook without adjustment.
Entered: 3:29
